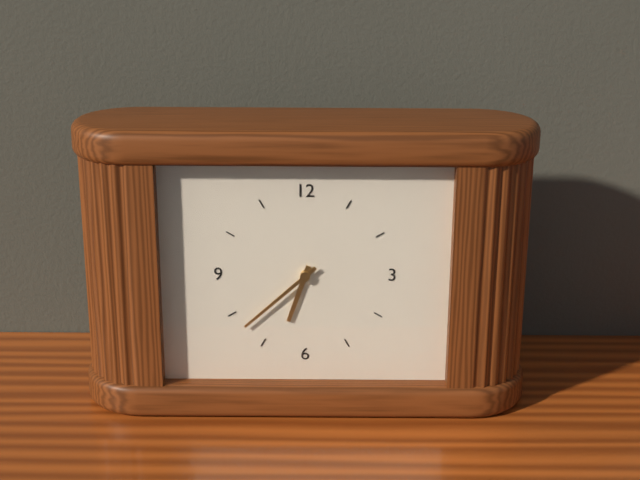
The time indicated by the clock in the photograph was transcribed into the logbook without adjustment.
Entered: 6:38
